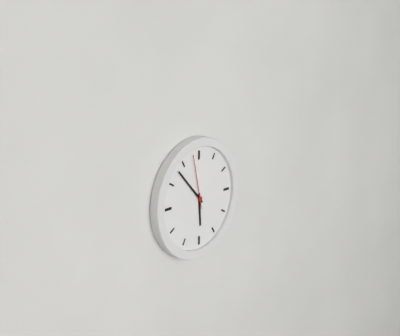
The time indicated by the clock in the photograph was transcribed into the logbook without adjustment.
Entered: 5:53:58
